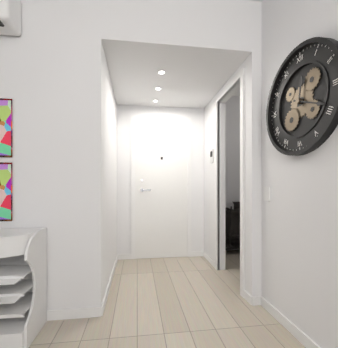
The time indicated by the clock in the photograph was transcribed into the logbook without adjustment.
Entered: 12:19
